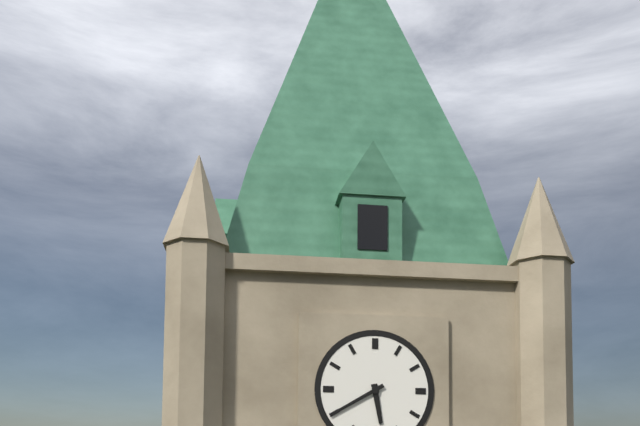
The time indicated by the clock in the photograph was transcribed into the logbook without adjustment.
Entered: 5:40
